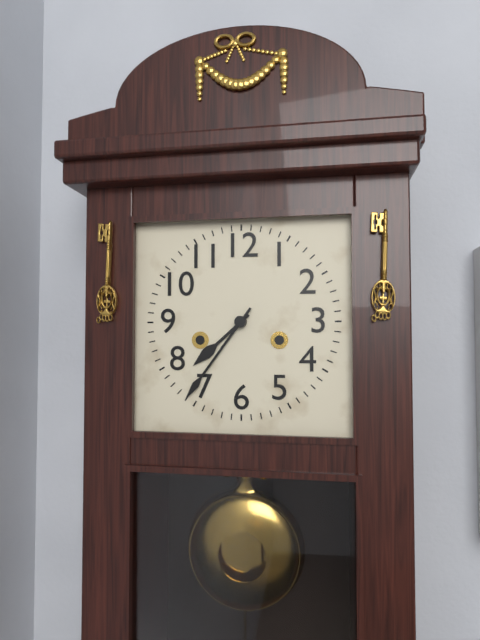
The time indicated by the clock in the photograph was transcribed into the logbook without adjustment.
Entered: 7:36
